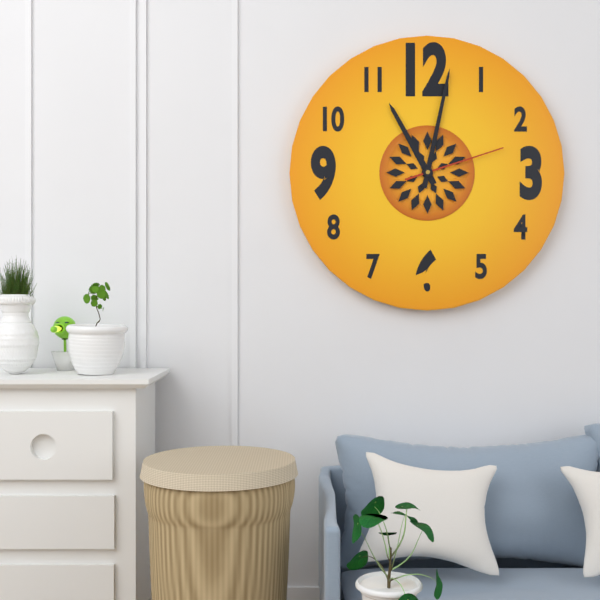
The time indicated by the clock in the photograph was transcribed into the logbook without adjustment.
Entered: 11:02:12
